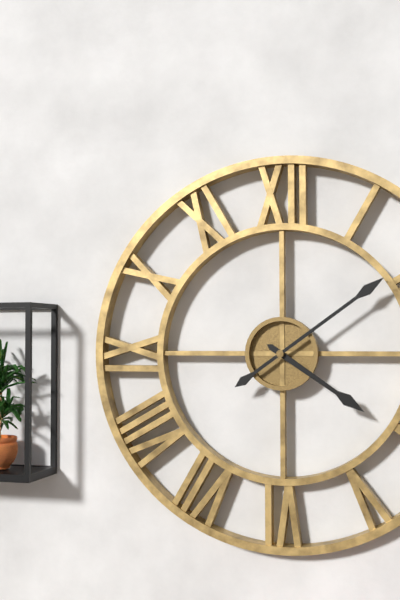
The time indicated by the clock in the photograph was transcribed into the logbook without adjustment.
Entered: 4:09
